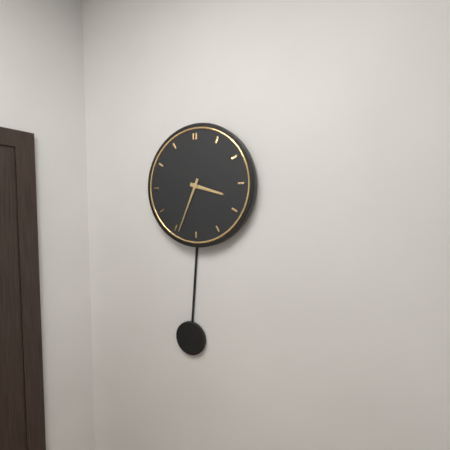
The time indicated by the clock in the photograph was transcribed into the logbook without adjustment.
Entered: 3:34
